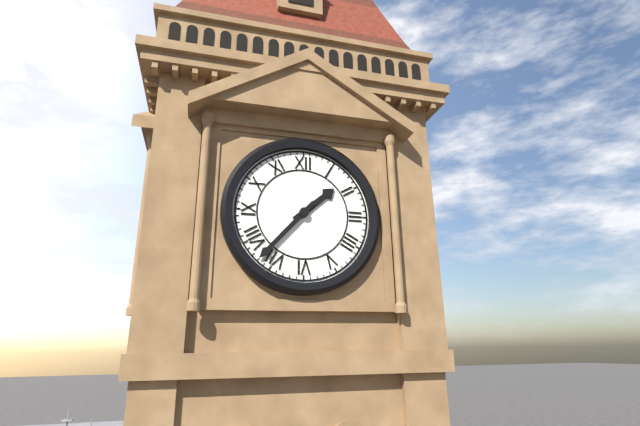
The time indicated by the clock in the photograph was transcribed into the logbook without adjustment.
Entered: 1:37
